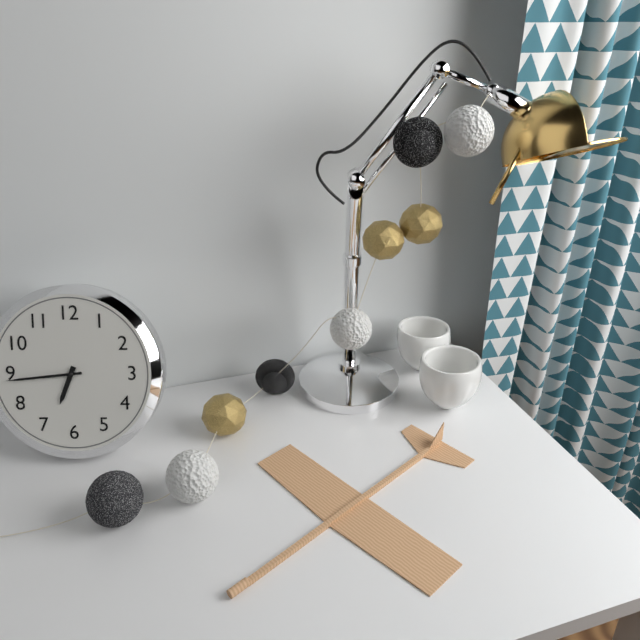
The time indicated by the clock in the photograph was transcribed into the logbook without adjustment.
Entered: 6:44
